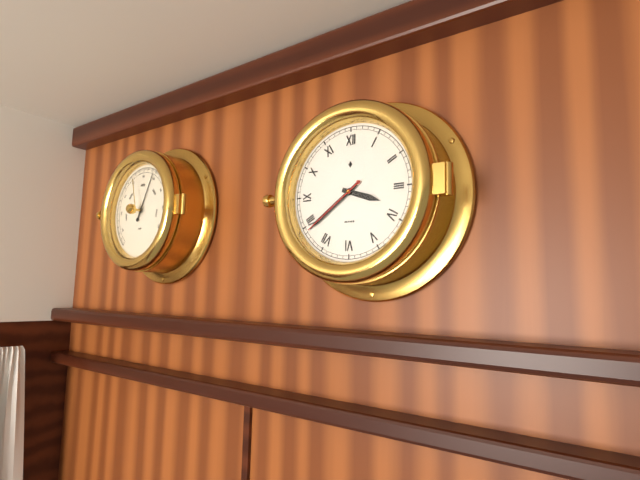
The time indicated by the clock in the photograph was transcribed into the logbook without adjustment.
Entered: 3:39:39
